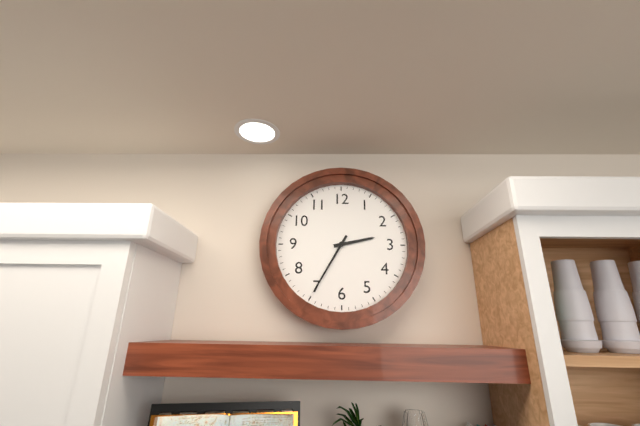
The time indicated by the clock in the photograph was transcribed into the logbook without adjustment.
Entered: 2:35
